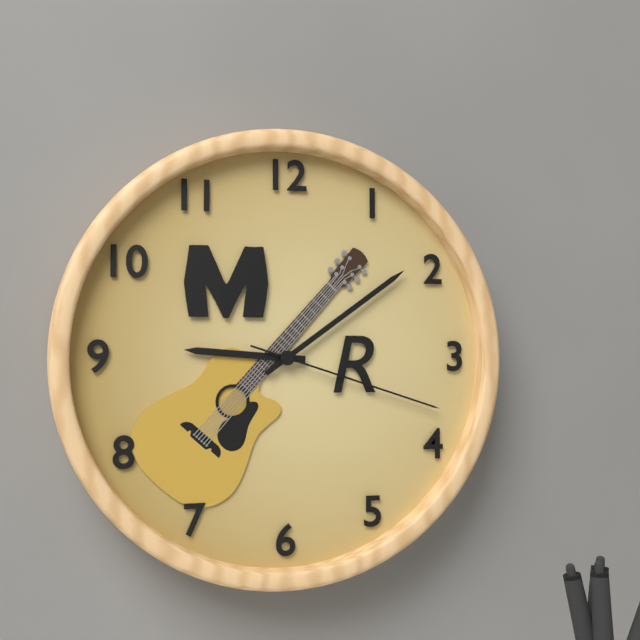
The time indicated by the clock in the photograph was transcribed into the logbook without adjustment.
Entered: 9:09:18
